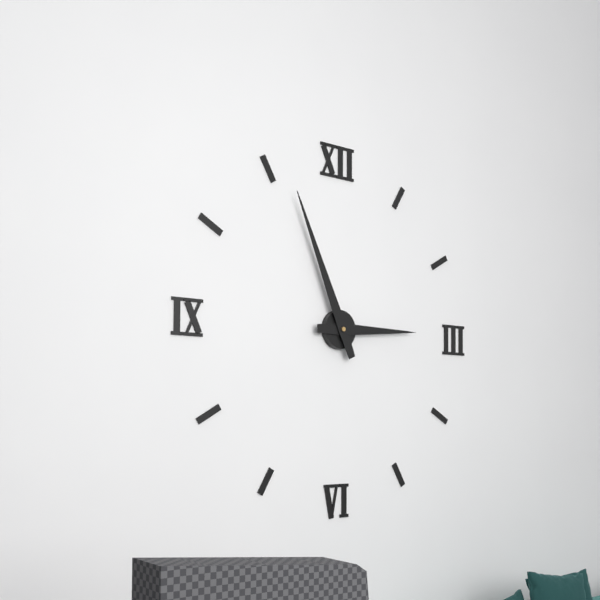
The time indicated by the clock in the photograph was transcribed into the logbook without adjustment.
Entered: 2:56
